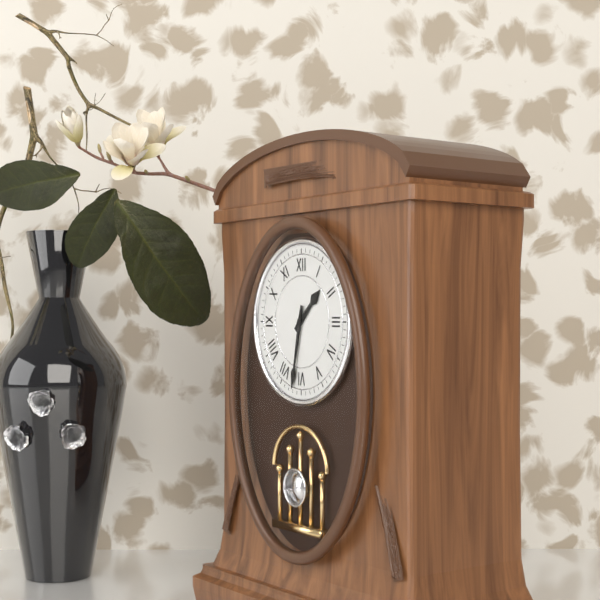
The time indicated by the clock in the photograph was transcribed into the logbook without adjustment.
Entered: 1:32
